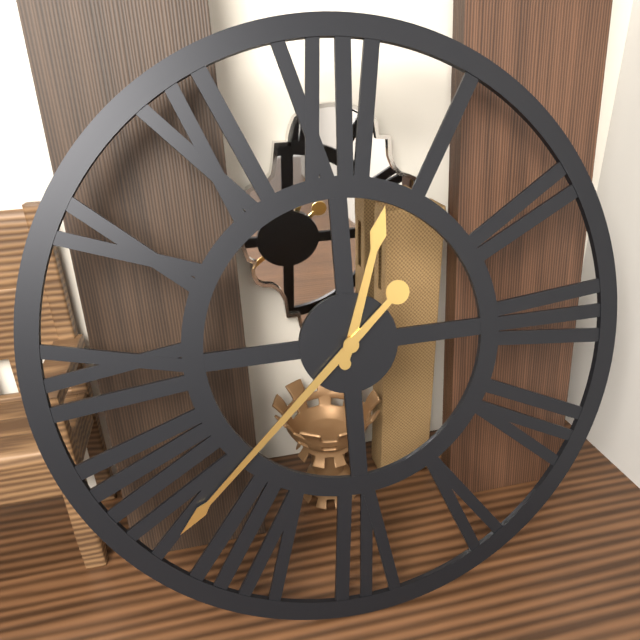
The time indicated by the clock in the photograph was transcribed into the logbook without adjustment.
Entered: 12:38
